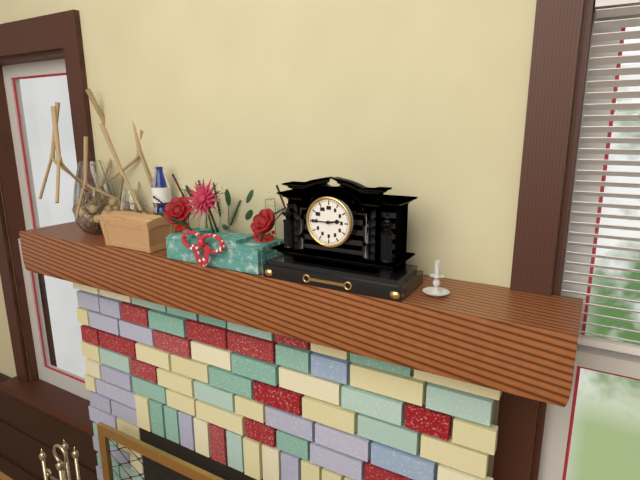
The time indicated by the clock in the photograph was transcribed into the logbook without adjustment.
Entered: 2:45
